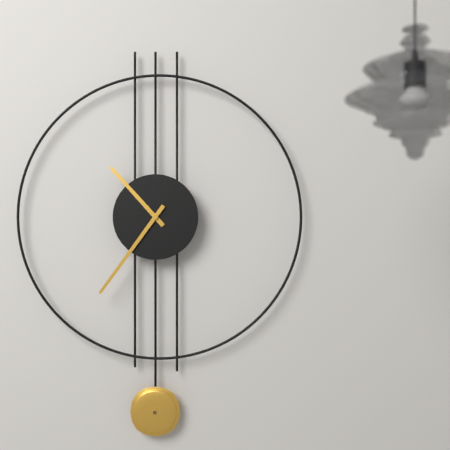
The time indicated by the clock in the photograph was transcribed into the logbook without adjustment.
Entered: 10:36
